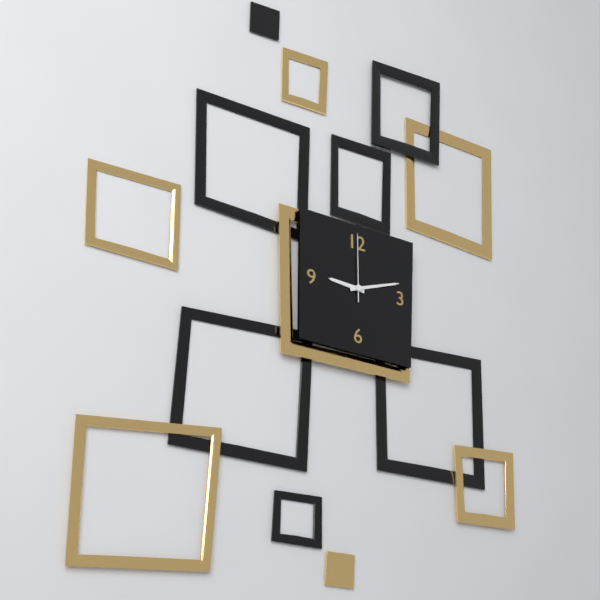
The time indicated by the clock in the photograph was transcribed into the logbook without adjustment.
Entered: 9:12:00
